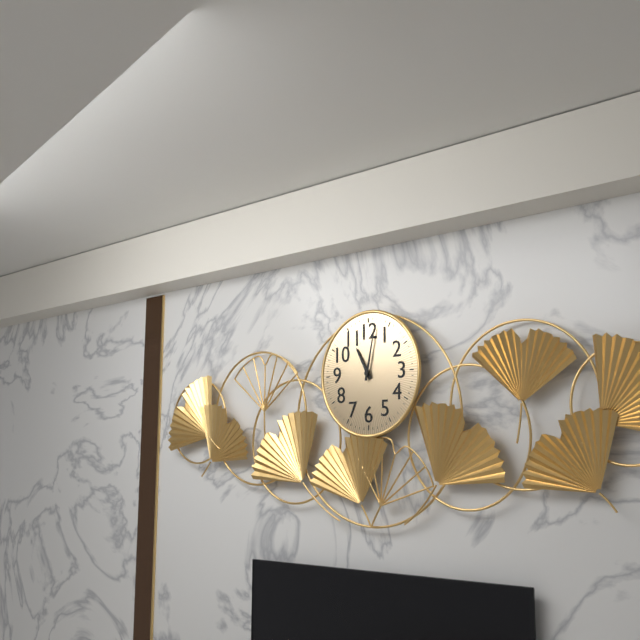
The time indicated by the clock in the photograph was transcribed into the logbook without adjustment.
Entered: 11:02
